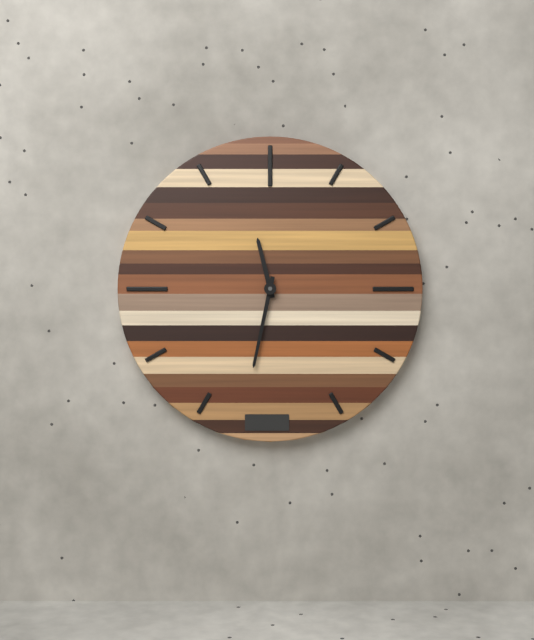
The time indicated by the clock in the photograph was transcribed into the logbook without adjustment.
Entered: 11:32
